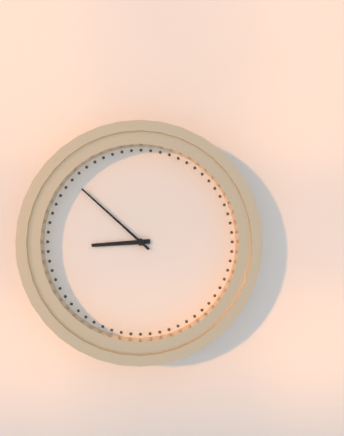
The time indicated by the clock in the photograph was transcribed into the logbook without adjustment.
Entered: 8:52
